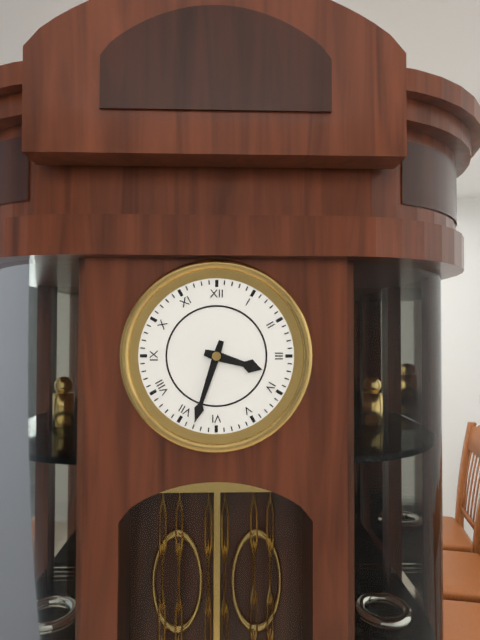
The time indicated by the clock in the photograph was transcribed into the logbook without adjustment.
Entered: 3:33
